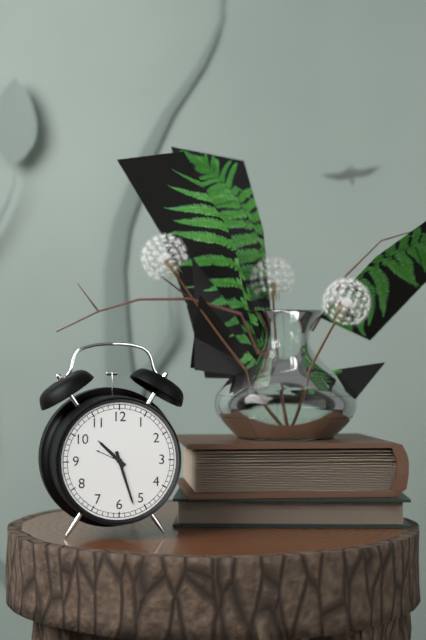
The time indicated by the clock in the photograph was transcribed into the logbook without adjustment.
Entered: 10:27
